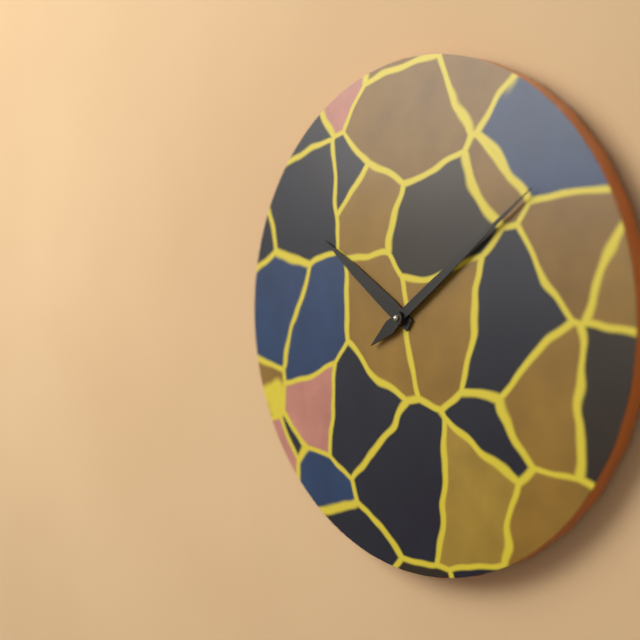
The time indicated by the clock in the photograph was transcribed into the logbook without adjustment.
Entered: 10:09
